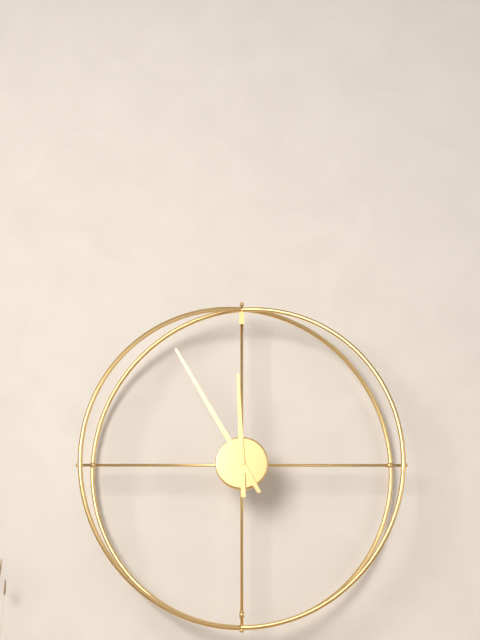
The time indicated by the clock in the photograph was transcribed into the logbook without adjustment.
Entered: 11:55
